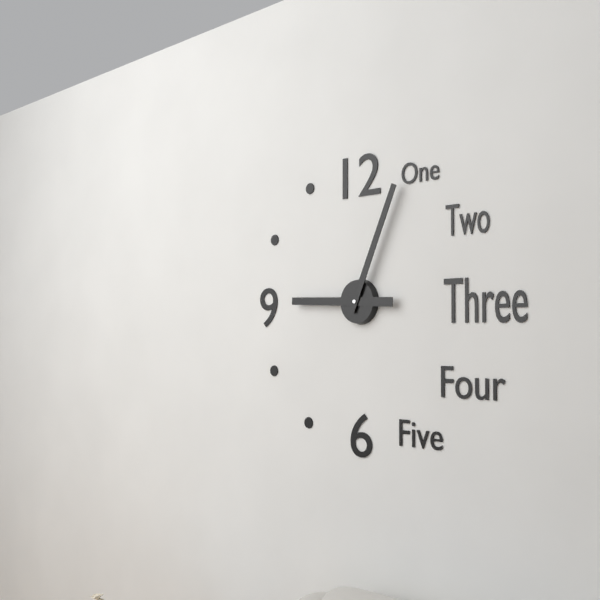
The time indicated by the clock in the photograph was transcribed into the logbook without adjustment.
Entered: 9:04
